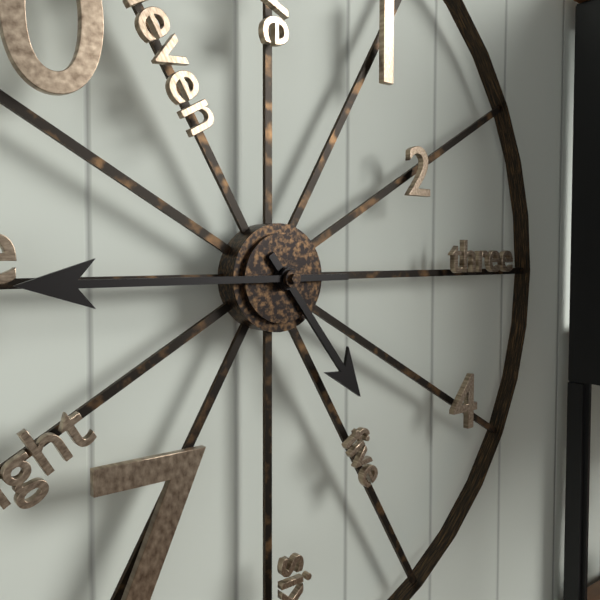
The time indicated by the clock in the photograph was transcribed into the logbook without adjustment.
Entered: 4:45
